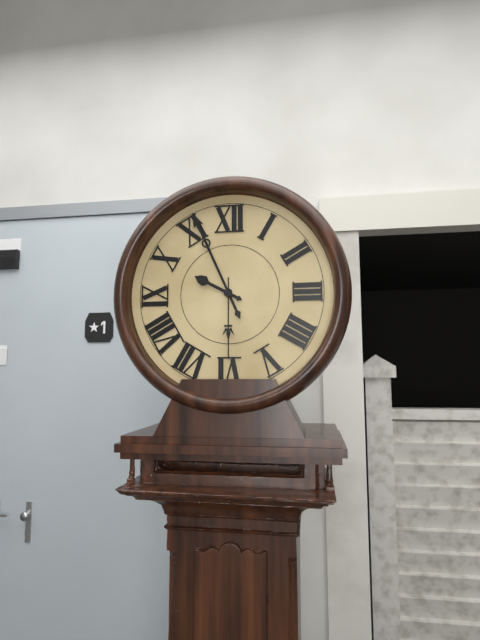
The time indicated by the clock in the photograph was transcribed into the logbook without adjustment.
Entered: 9:56:30
